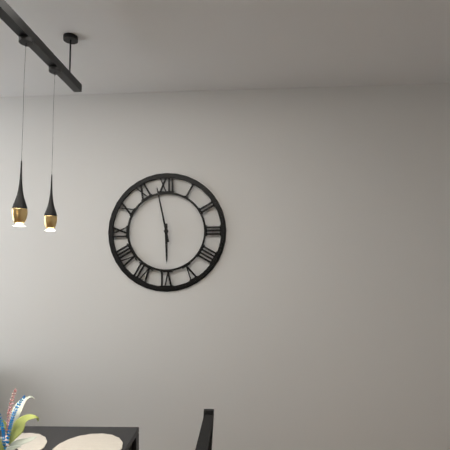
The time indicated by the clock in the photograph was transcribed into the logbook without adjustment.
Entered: 5:58
